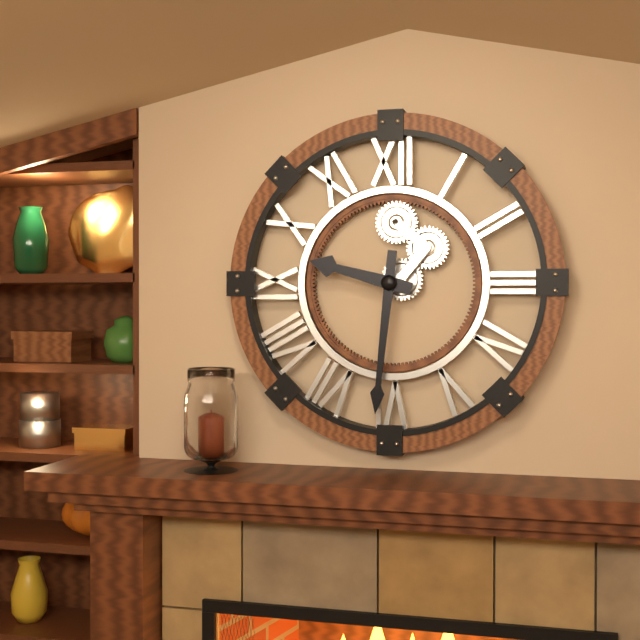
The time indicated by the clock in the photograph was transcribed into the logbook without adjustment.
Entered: 9:31
